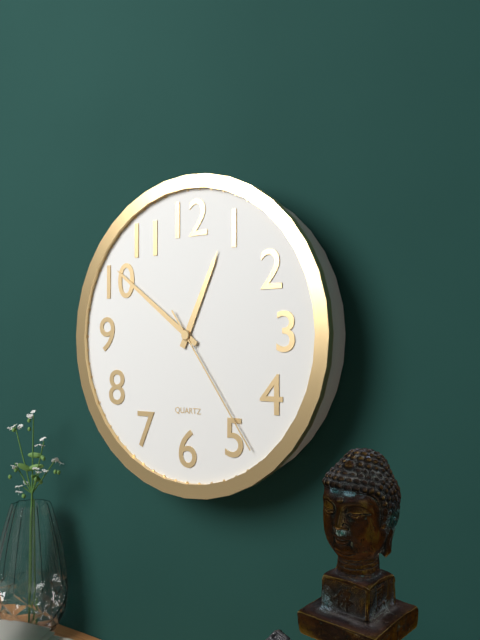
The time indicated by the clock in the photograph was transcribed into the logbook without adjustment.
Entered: 12:51:24
